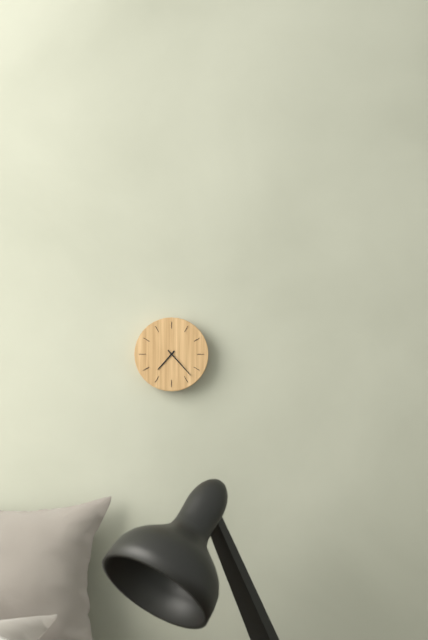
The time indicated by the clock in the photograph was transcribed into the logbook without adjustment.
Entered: 7:23
